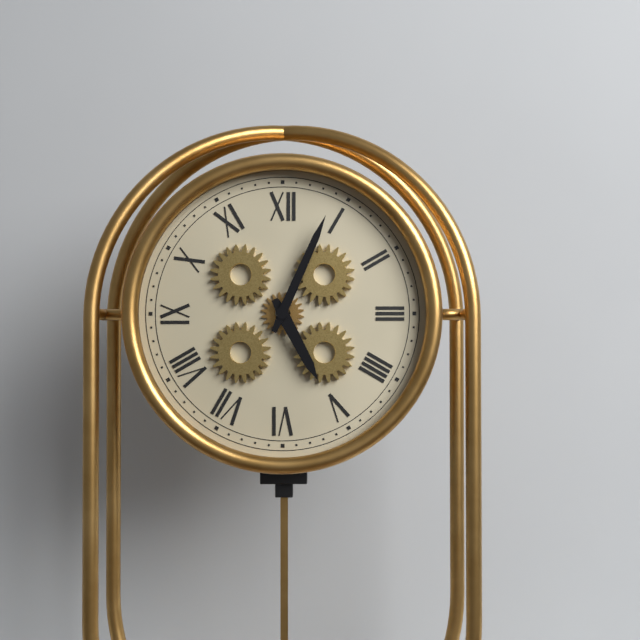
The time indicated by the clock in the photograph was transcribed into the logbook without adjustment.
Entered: 5:04
